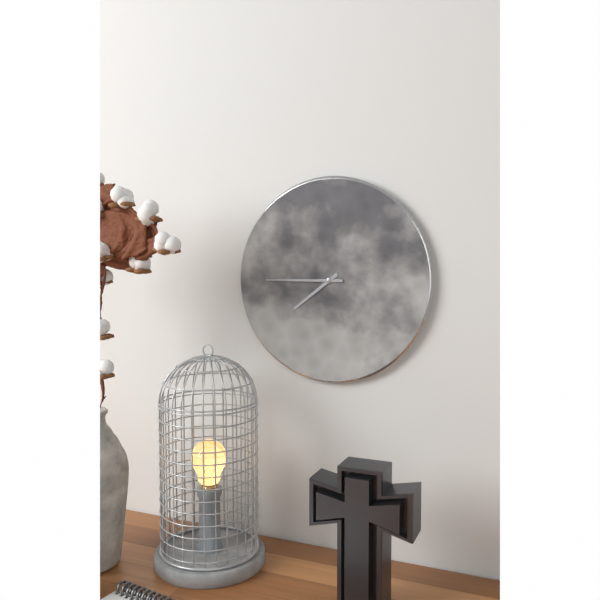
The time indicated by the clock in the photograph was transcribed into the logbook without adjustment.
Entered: 7:45
